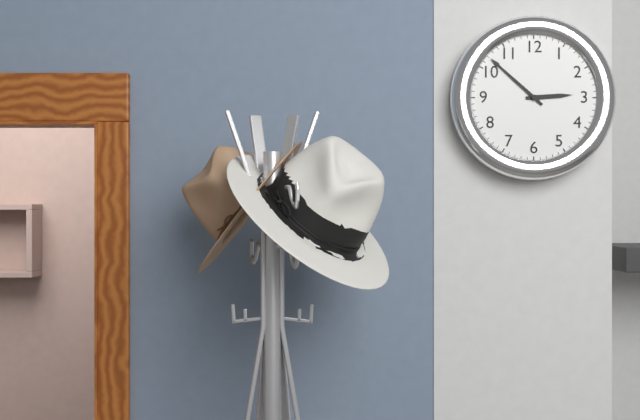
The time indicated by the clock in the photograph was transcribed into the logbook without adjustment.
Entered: 2:52
